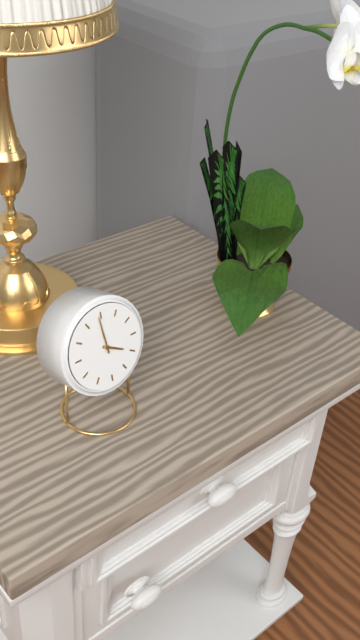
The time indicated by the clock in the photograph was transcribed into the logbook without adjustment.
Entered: 3:59
